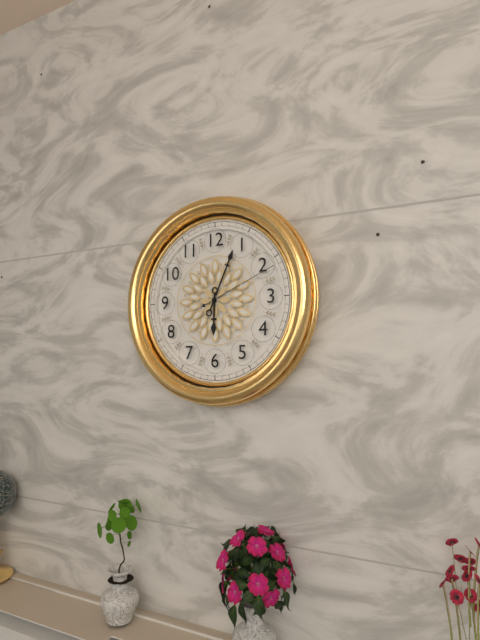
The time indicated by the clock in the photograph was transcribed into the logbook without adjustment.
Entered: 6:04:11
